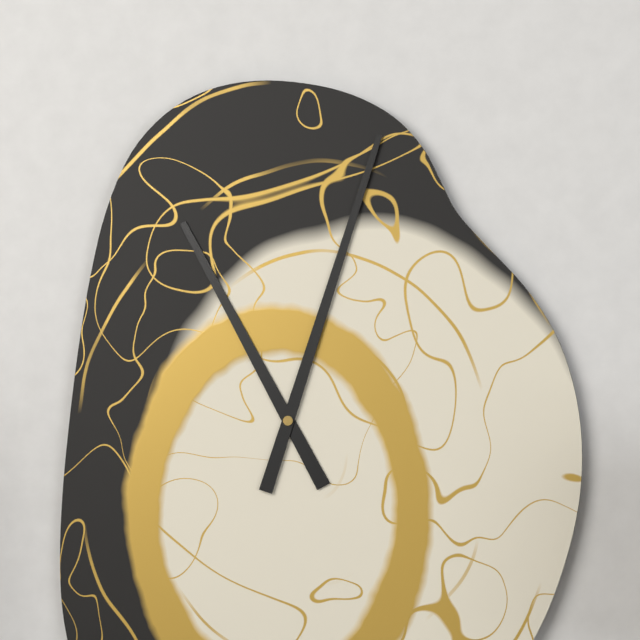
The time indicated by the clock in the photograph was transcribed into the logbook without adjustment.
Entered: 11:03
